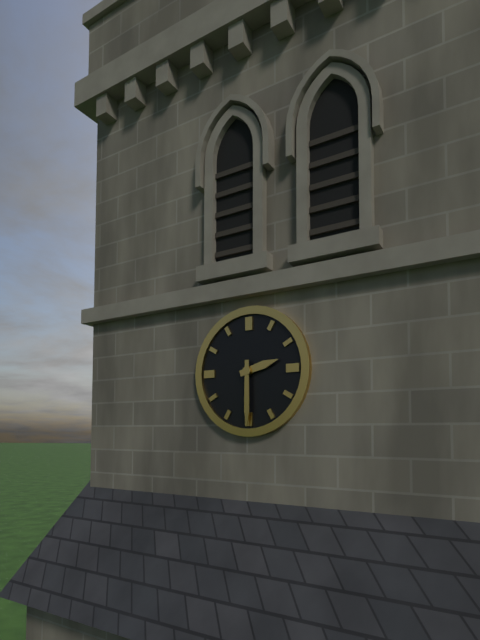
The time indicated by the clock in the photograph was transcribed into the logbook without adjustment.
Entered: 2:30
